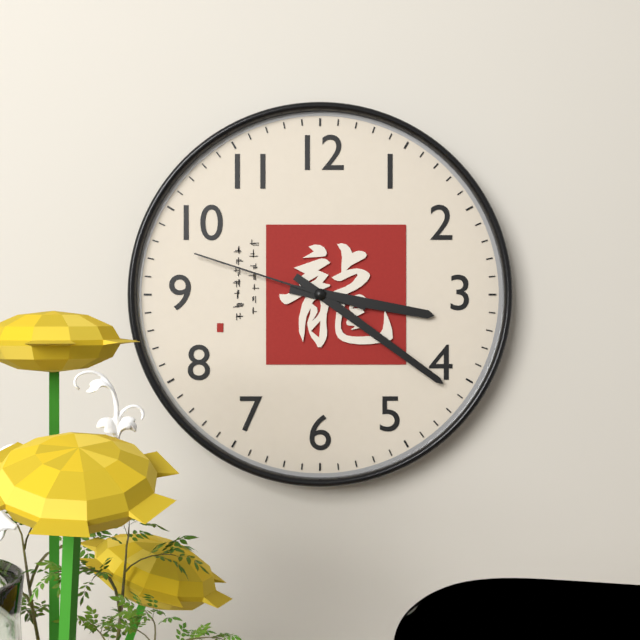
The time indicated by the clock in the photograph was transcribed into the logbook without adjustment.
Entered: 3:21:48
